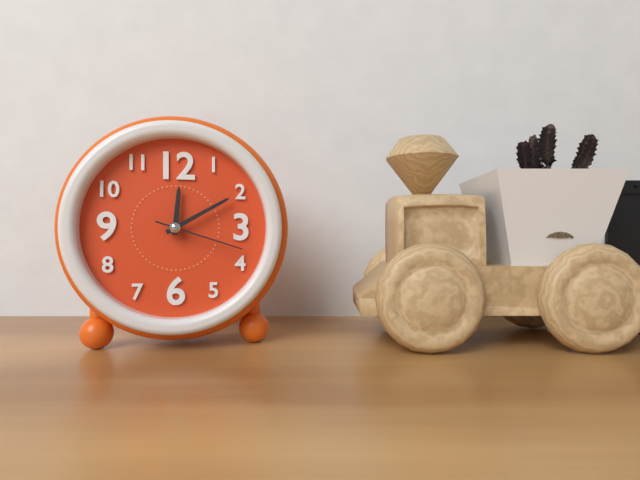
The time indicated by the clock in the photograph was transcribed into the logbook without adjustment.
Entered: 12:10:18
